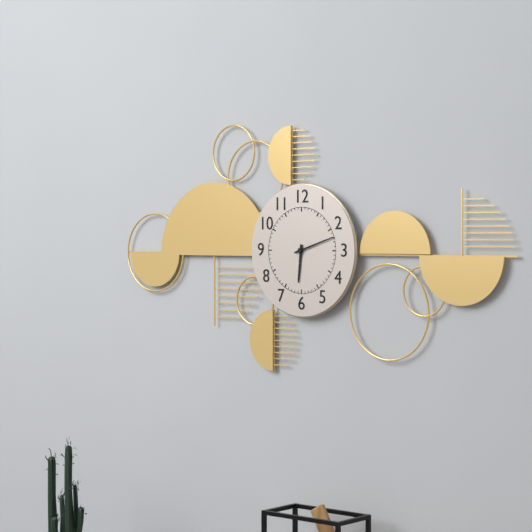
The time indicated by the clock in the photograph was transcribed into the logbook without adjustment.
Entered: 6:12
